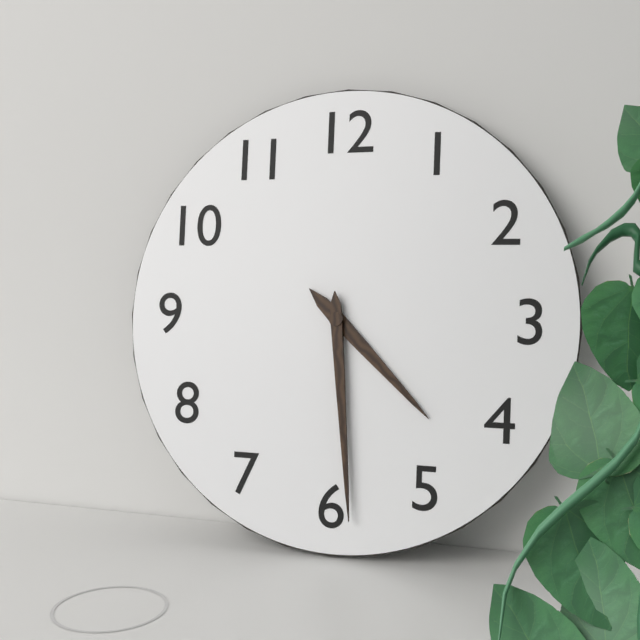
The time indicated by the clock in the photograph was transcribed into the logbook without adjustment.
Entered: 4:29
